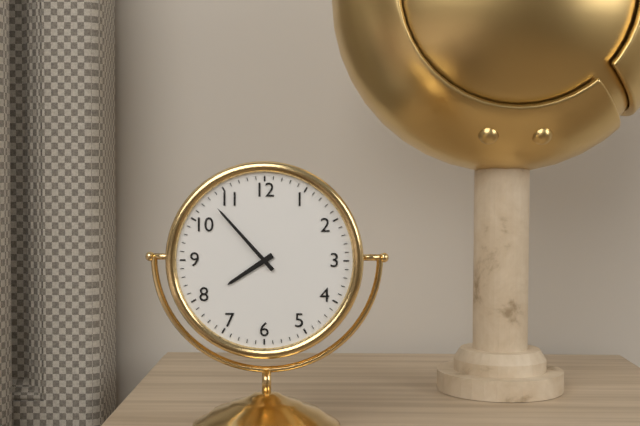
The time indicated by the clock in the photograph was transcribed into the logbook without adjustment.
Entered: 7:53
